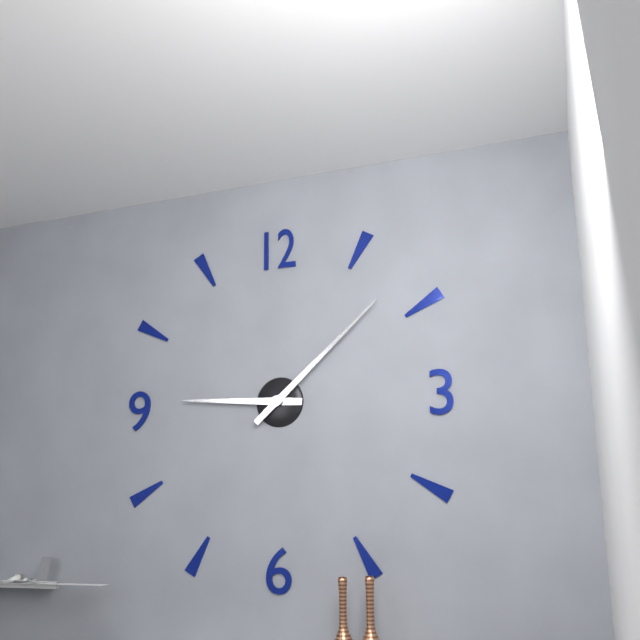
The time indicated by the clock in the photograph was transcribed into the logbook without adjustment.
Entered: 9:08
